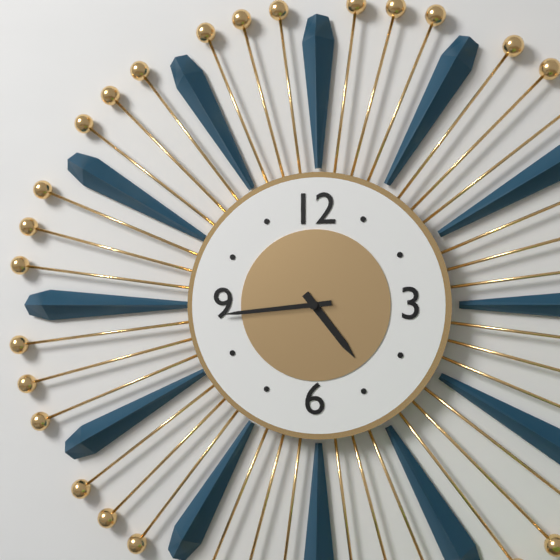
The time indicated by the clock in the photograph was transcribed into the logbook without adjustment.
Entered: 4:44
